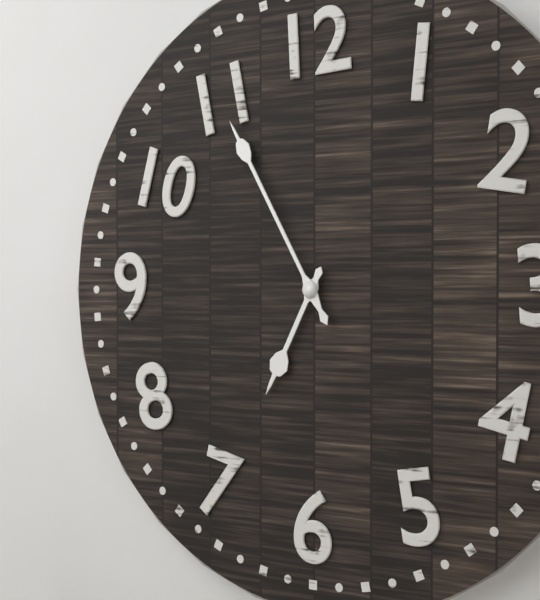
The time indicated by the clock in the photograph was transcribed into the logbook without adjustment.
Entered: 6:55
